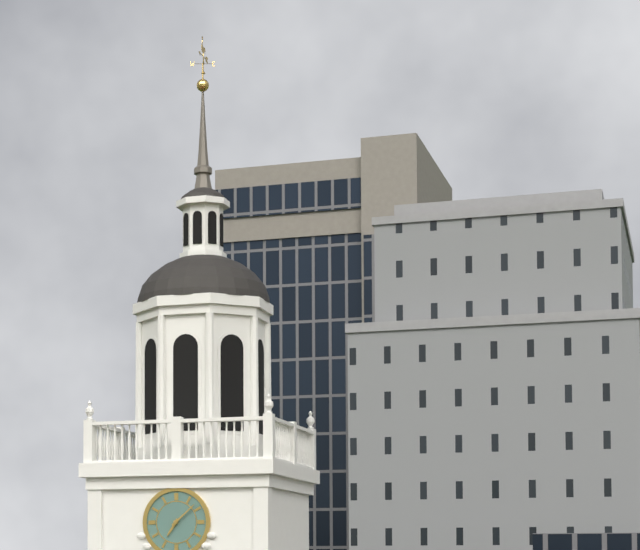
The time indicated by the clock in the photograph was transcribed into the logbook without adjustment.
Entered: 7:08
